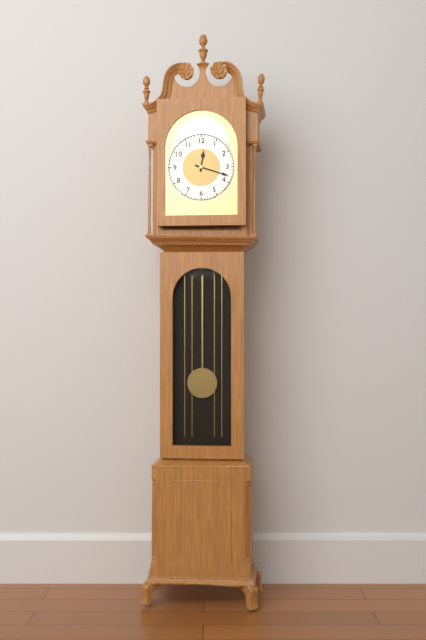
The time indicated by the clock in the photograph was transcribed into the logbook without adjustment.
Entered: 12:18
